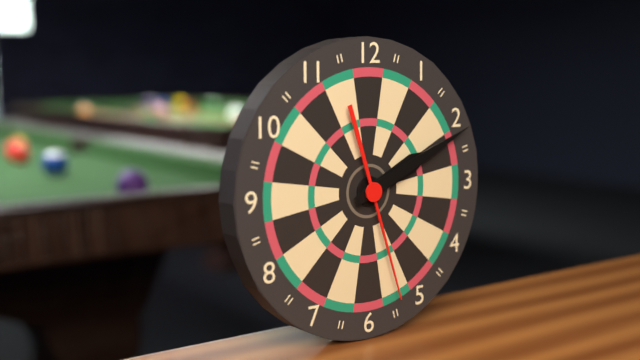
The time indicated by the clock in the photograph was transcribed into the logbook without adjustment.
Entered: 2:11:27
